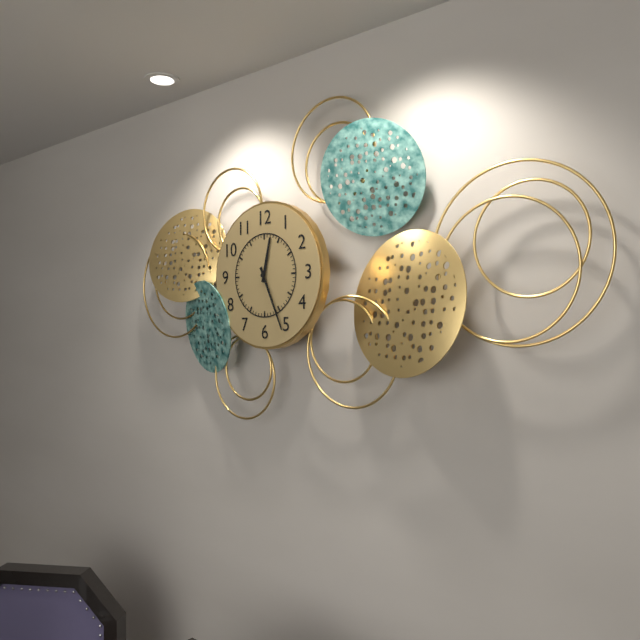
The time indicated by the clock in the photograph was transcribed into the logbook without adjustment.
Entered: 12:26
